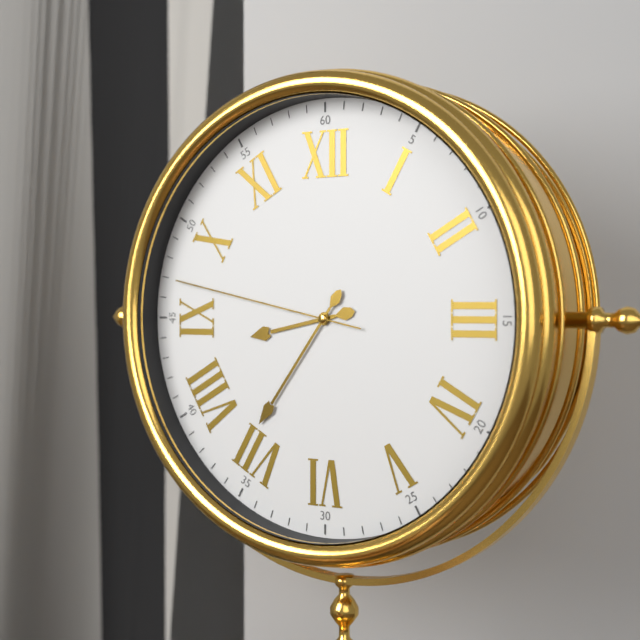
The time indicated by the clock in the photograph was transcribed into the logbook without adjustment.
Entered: 8:36:47
